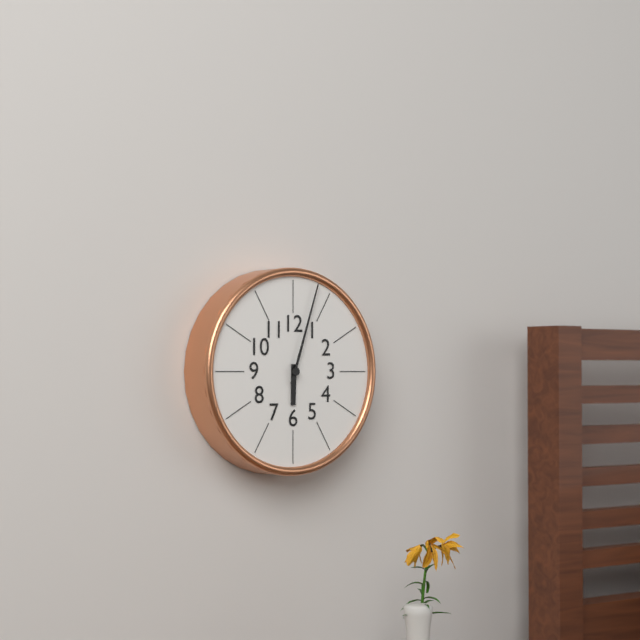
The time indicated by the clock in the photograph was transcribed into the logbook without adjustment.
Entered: 6:03
